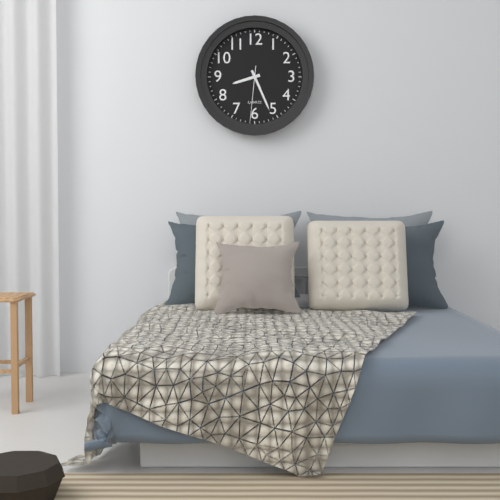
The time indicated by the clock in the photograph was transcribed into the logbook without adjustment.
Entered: 8:26:31
